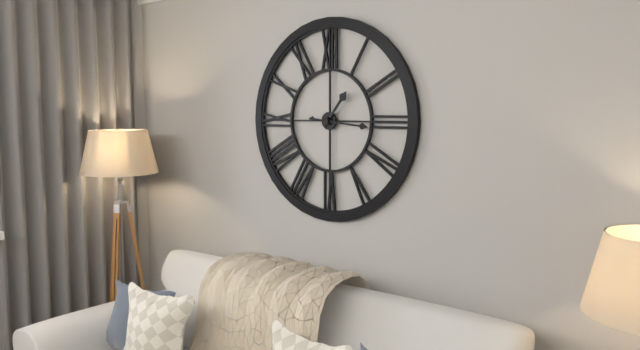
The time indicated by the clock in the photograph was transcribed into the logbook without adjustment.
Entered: 1:16
